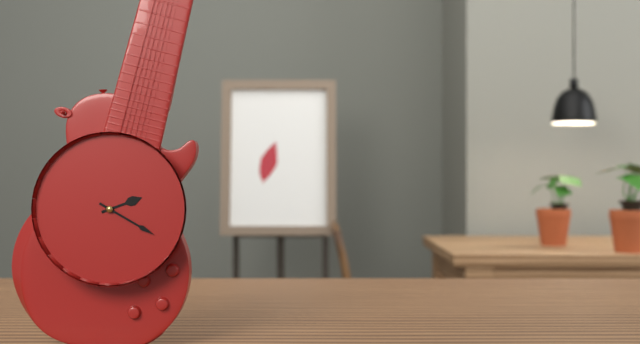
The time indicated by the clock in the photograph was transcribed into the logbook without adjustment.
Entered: 2:20
